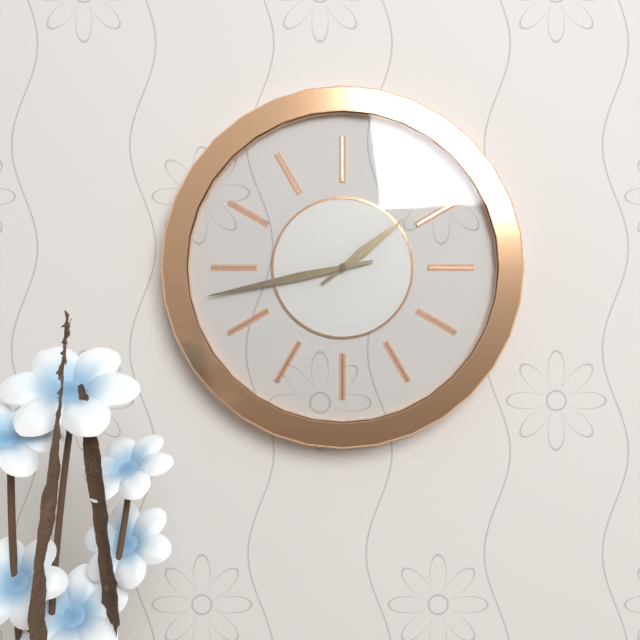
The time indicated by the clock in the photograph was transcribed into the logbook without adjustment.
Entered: 1:43
